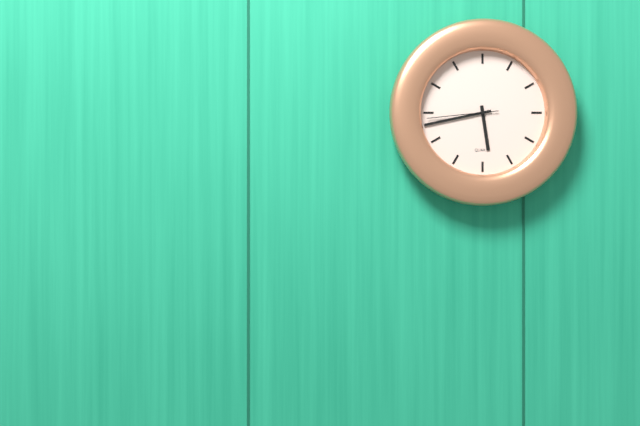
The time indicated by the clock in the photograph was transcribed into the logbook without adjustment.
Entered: 5:43:44
